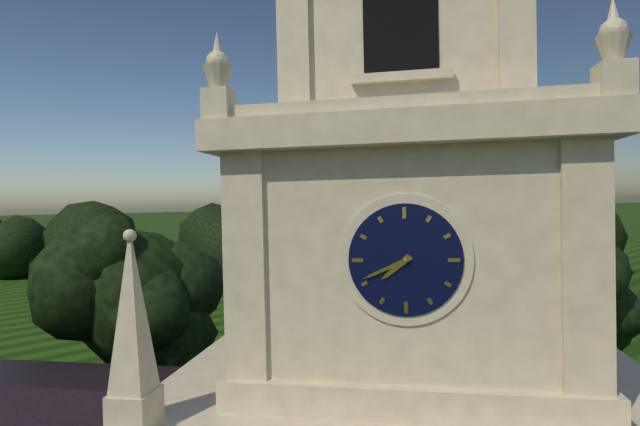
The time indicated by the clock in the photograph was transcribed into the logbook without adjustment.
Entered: 7:41
